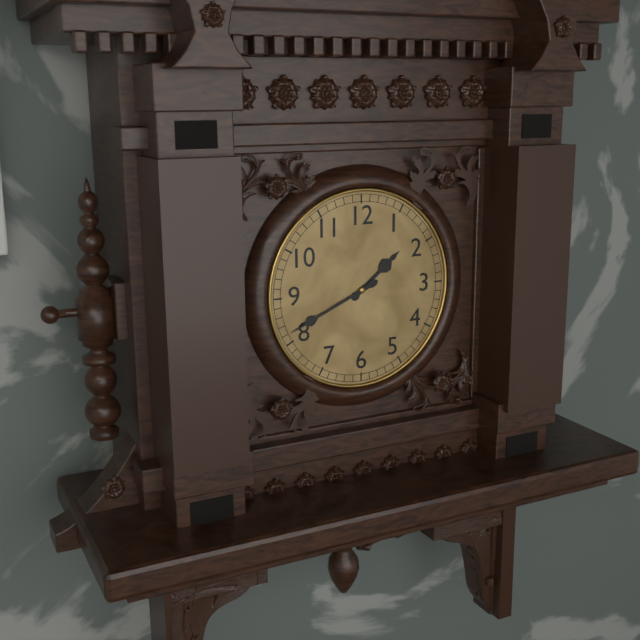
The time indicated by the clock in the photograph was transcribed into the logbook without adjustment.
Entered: 1:41
